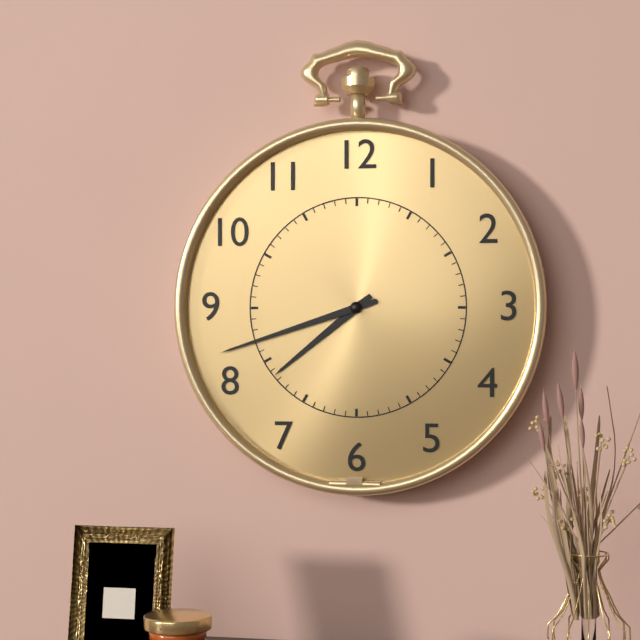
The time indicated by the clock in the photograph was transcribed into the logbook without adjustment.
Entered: 7:42
